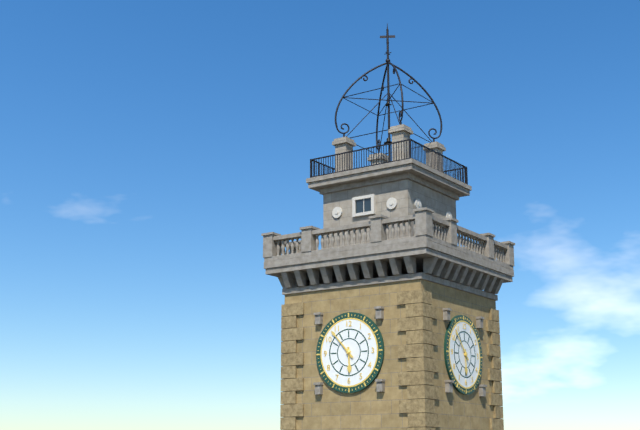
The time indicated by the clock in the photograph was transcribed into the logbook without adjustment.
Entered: 5:53
